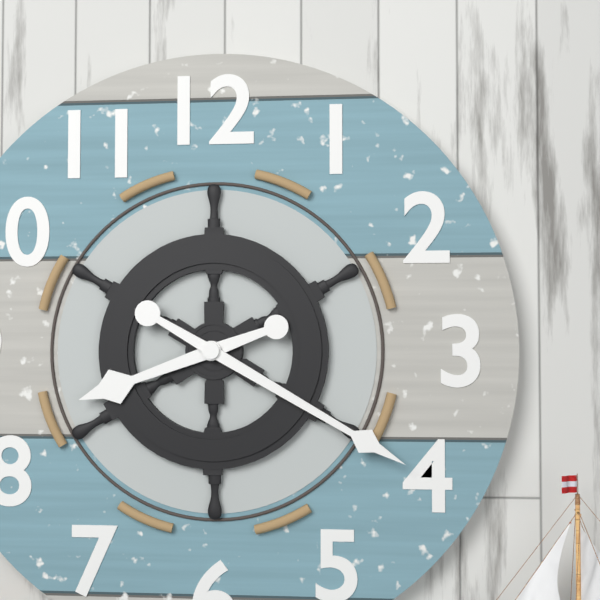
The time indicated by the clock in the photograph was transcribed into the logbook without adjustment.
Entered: 8:20
